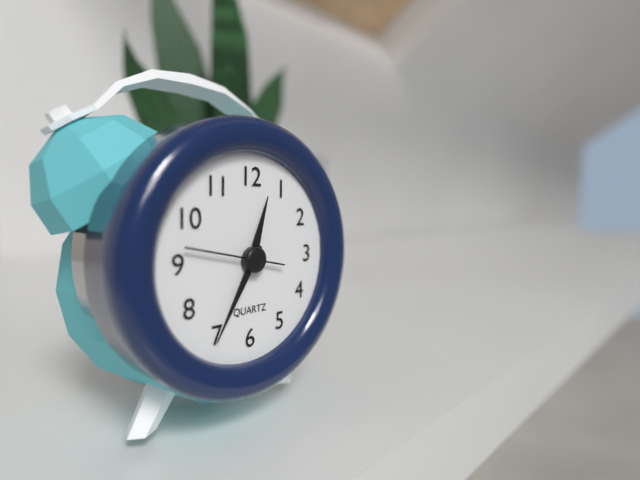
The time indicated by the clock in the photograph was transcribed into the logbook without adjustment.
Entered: 12:35:47
